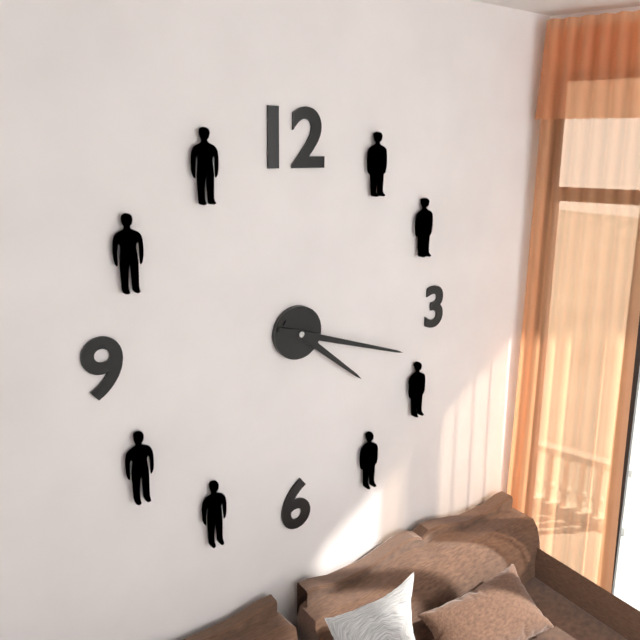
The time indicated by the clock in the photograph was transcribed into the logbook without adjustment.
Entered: 4:18
